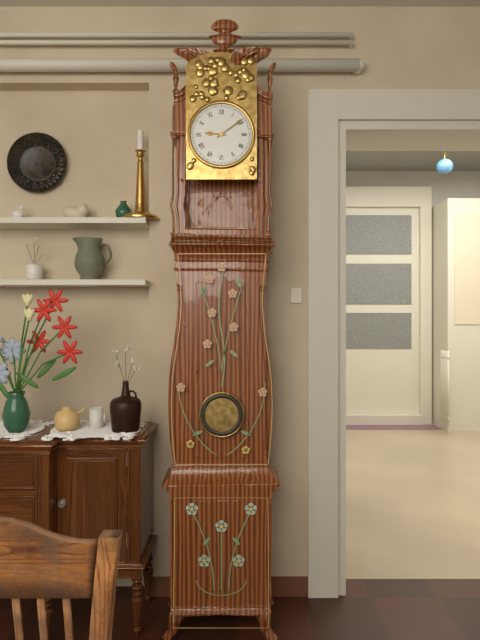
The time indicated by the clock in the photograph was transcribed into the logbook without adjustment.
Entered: 9:09
